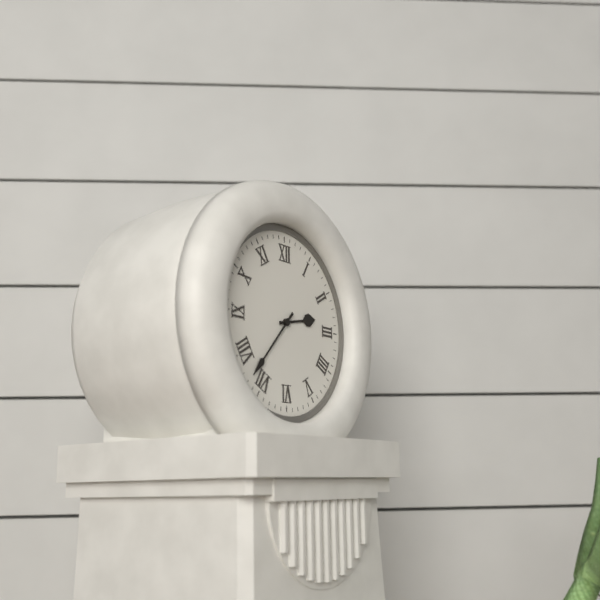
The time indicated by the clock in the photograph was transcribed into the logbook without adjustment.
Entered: 2:37
